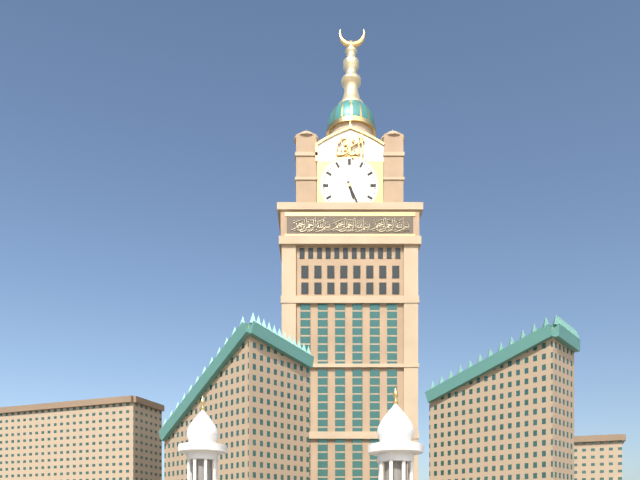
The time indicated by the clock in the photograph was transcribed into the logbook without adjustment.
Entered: 5:26
